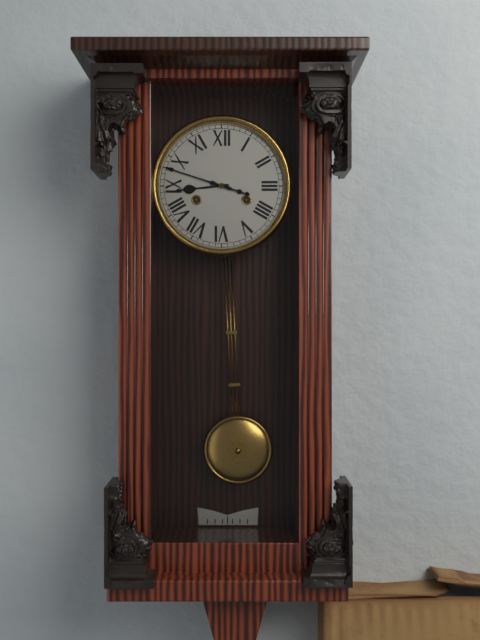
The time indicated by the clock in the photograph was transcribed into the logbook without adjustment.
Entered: 8:48
